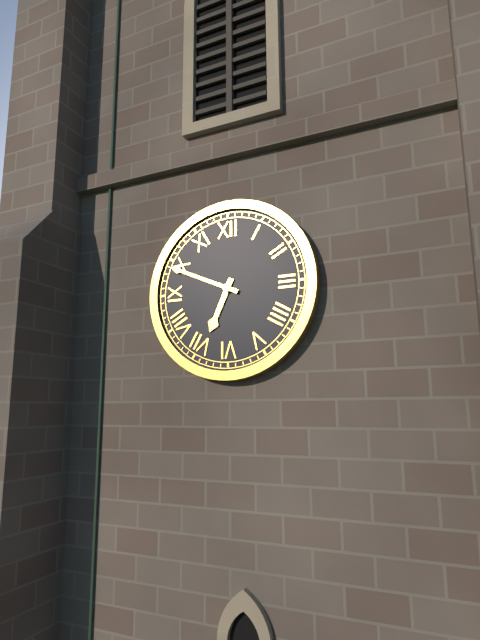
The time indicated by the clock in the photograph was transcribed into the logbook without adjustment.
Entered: 6:49
